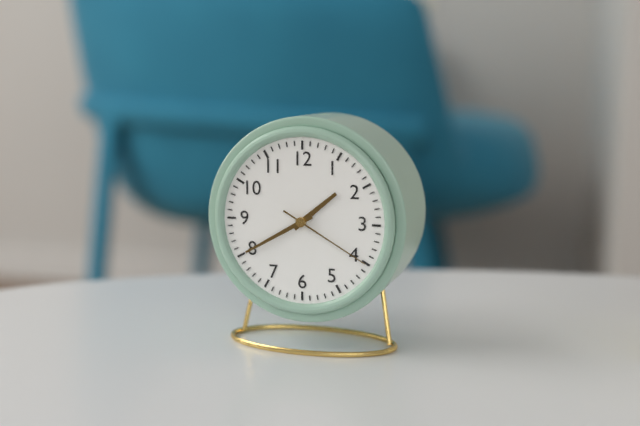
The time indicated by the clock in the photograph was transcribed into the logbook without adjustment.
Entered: 1:40:20
